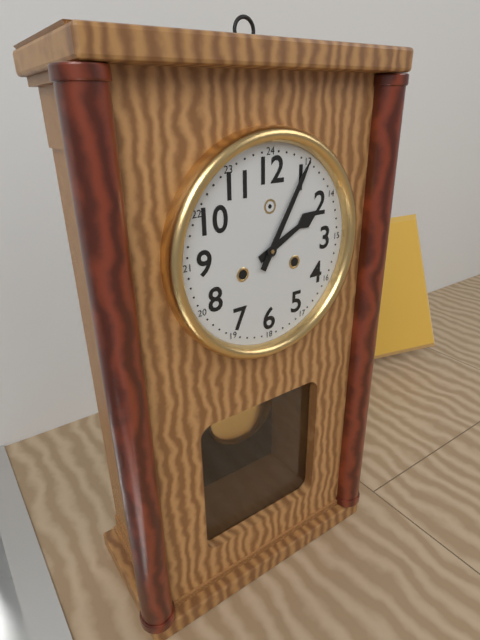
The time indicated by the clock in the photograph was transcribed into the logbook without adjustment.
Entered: 2:05
